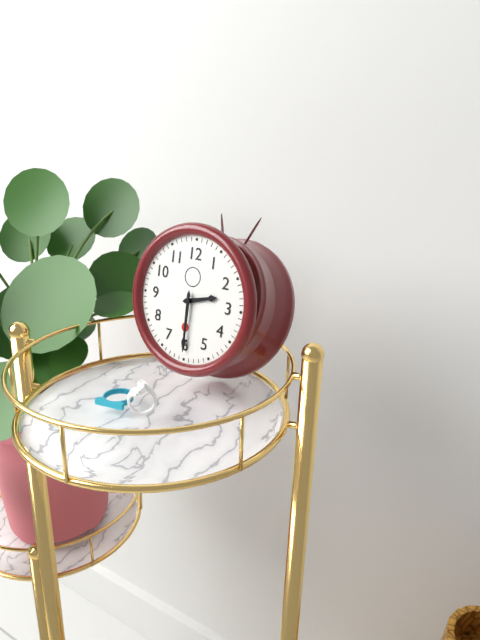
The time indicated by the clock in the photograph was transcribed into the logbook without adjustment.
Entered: 2:30
